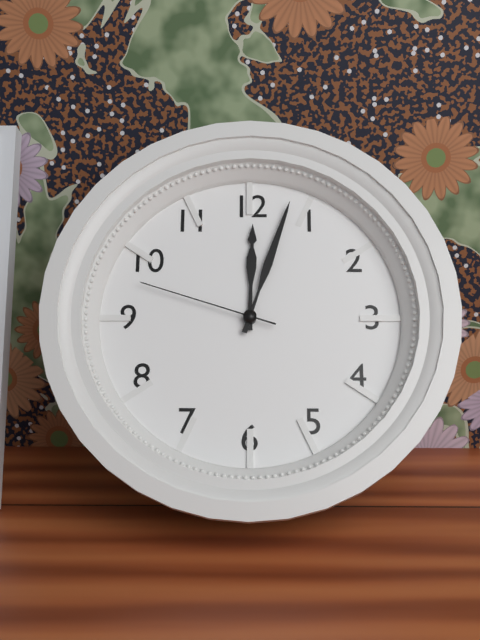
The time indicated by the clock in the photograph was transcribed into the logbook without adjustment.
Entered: 12:03:48
